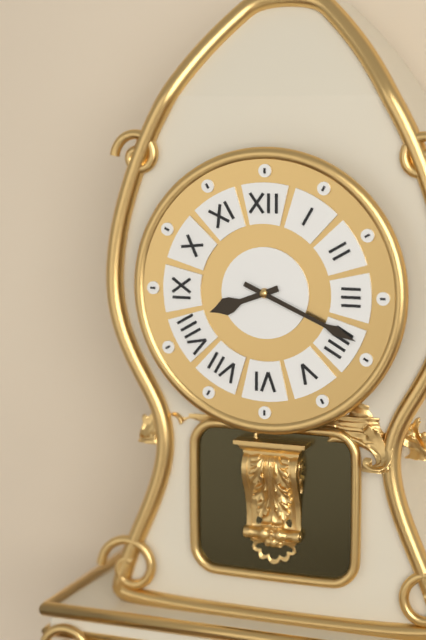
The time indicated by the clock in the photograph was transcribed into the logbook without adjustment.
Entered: 8:19
